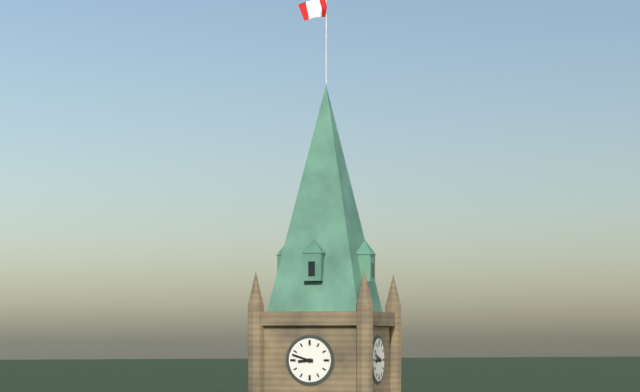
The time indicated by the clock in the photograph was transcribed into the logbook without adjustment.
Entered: 8:48
